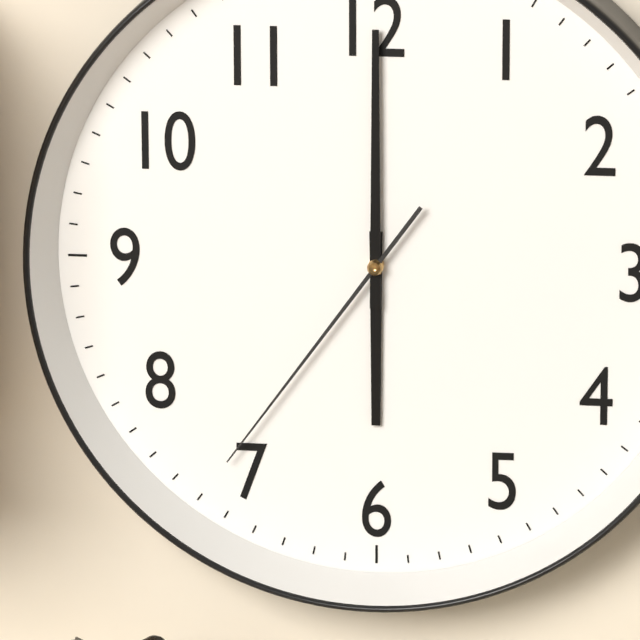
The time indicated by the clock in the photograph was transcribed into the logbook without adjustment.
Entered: 6:00:36
